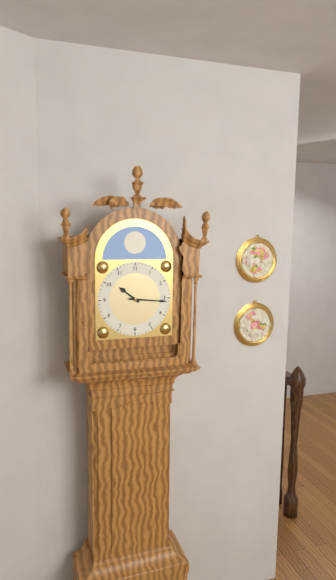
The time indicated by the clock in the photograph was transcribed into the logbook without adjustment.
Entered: 10:16
